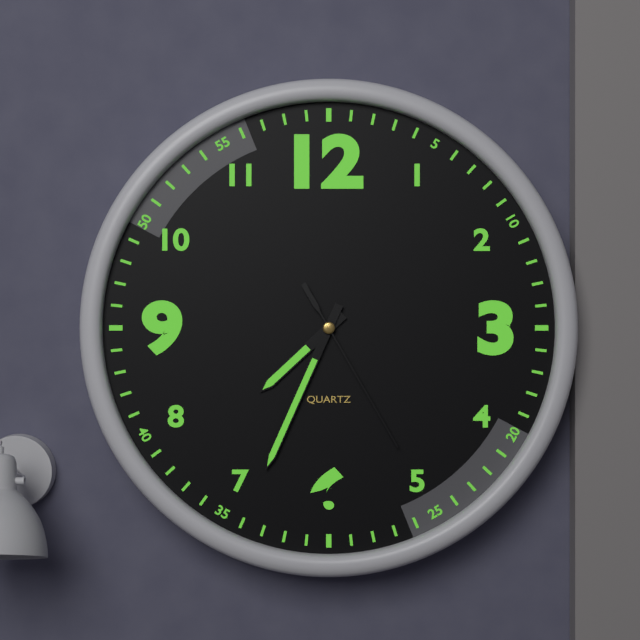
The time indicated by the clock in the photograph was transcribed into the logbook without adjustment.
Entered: 7:34:25
